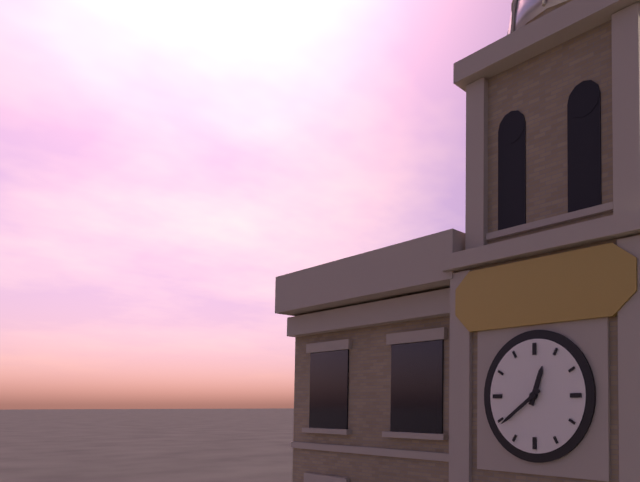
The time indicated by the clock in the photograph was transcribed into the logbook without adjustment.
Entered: 12:39
